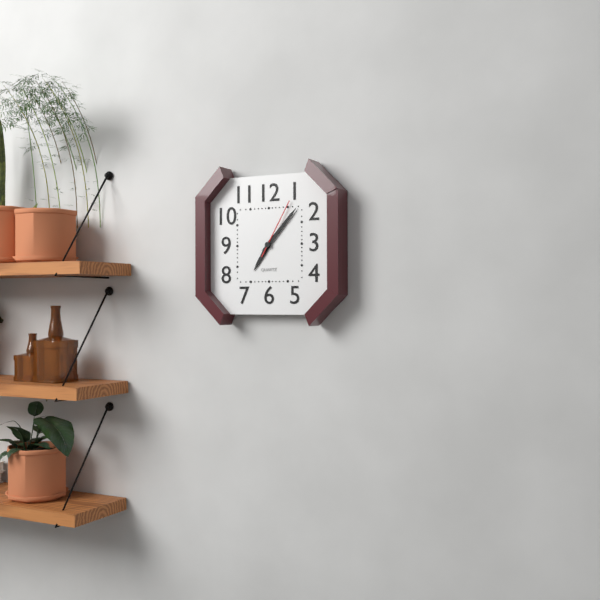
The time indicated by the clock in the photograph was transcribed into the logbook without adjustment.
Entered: 7:07:05
